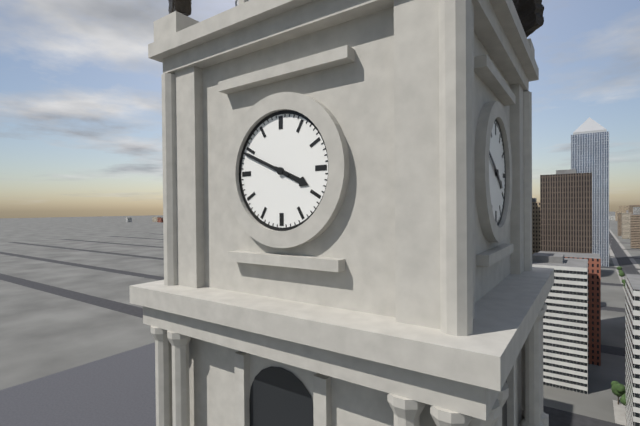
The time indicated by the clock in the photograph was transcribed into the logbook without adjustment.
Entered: 3:49
